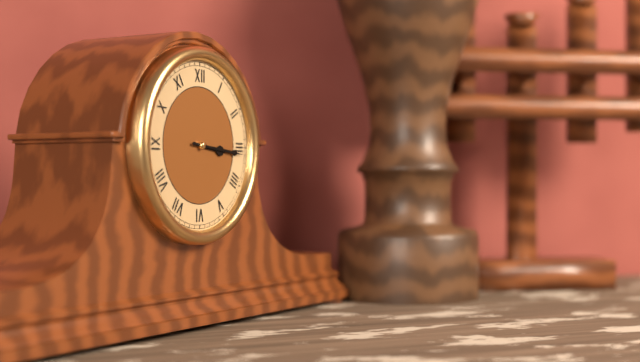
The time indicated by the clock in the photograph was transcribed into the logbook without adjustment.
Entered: 3:16
